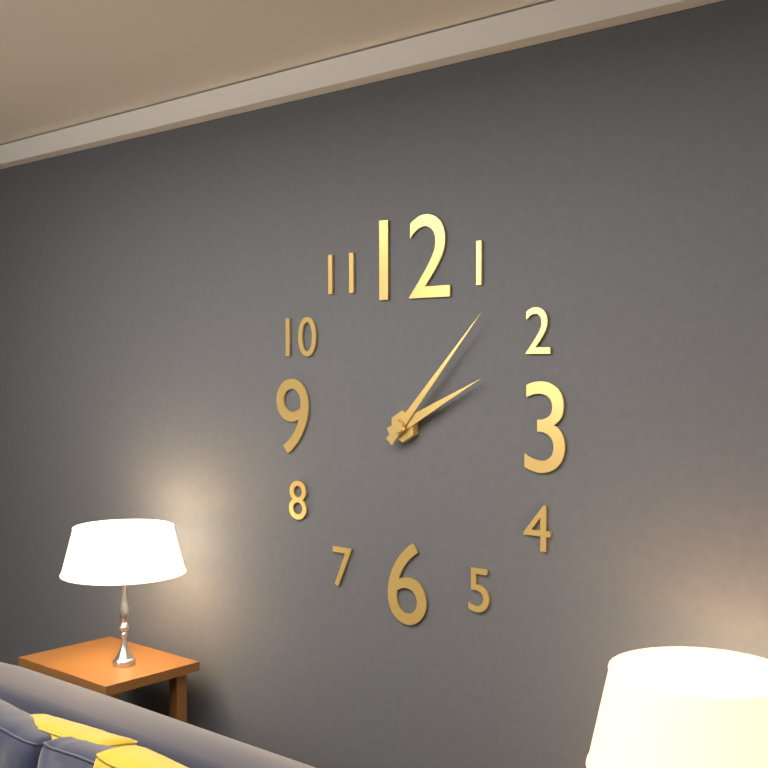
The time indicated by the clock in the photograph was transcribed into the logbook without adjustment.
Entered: 2:07
